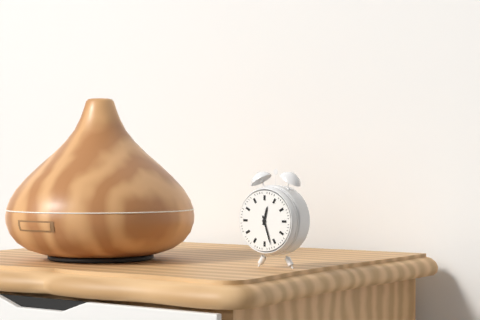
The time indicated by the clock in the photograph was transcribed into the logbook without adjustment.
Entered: 12:27
